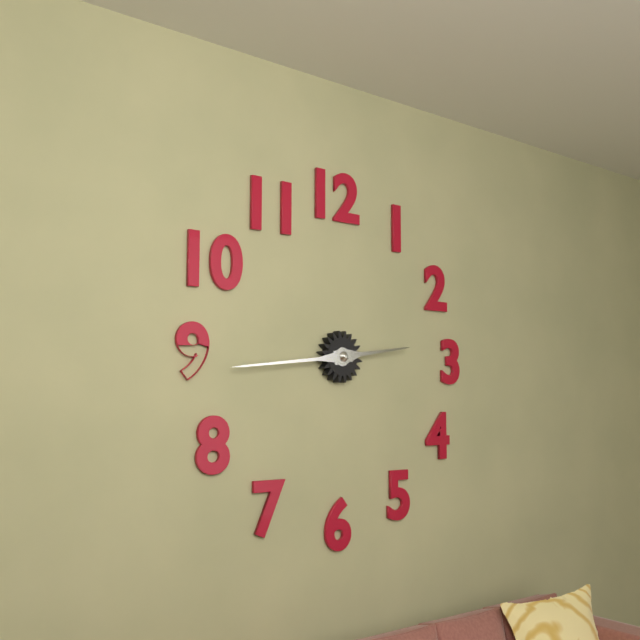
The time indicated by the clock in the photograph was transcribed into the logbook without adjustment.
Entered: 2:44
